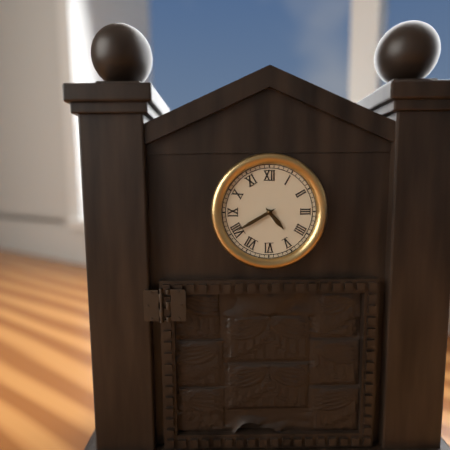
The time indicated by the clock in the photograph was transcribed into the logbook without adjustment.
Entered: 4:40
